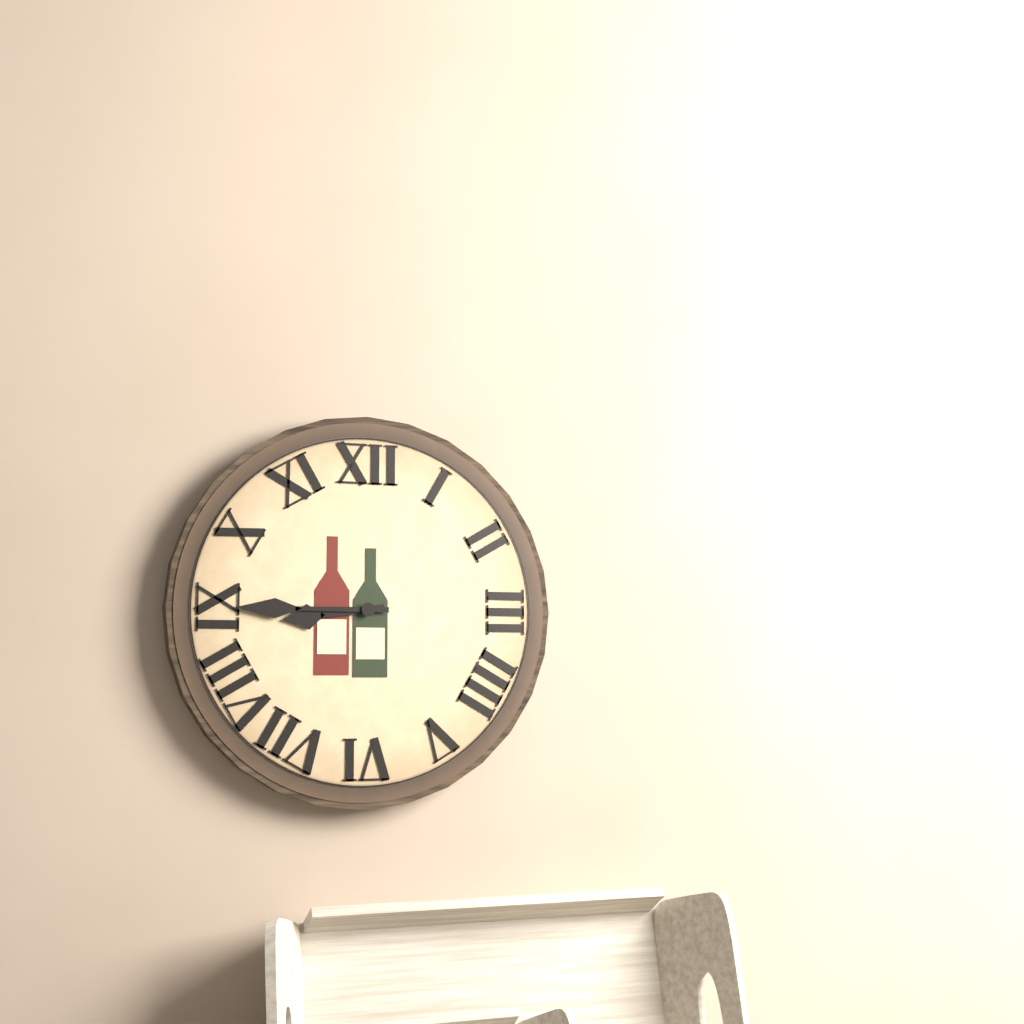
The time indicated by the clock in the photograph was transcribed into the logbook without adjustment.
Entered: 8:45
